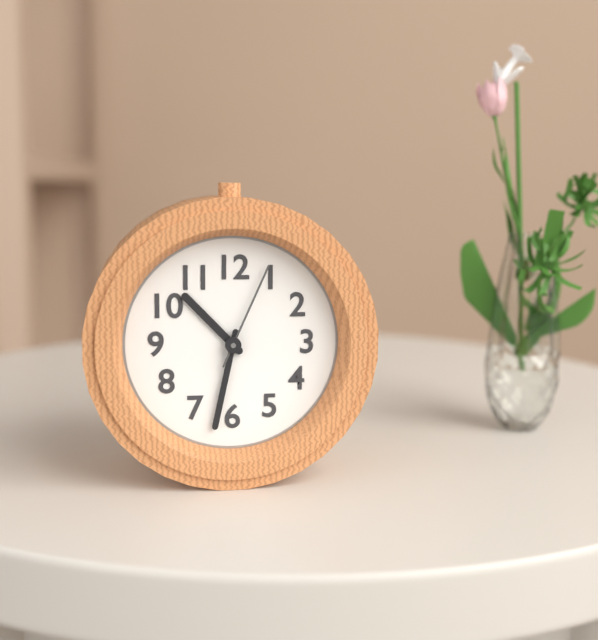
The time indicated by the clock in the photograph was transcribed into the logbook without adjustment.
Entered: 10:32:04
